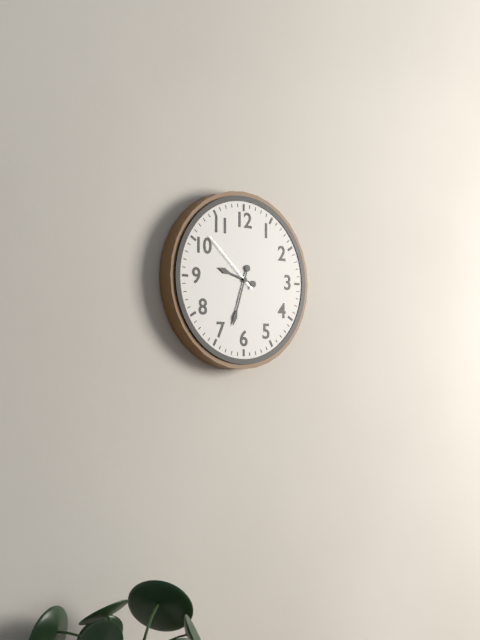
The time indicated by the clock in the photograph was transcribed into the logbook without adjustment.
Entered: 9:33:52
